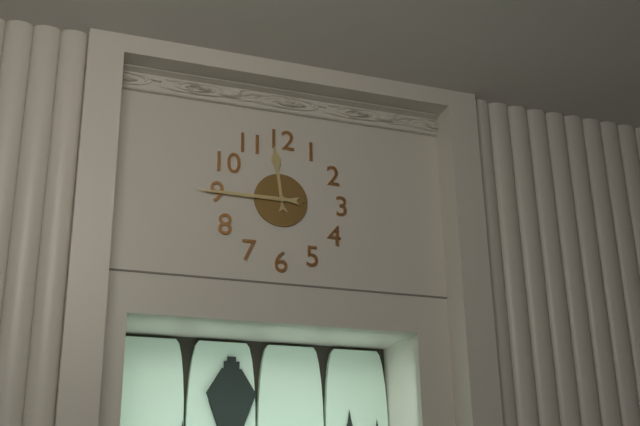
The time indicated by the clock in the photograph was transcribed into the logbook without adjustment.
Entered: 11:45
